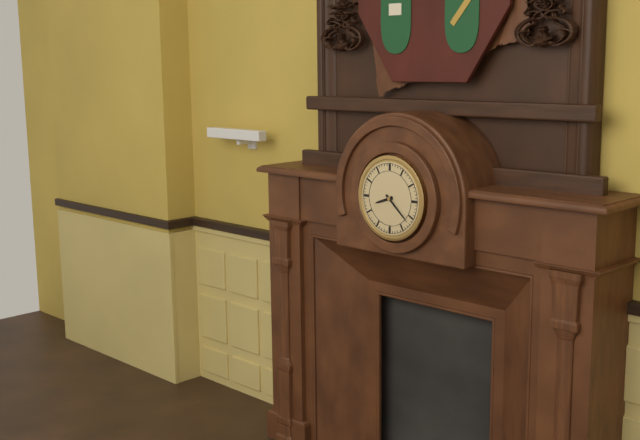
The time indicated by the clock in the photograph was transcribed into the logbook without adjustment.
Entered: 8:22
